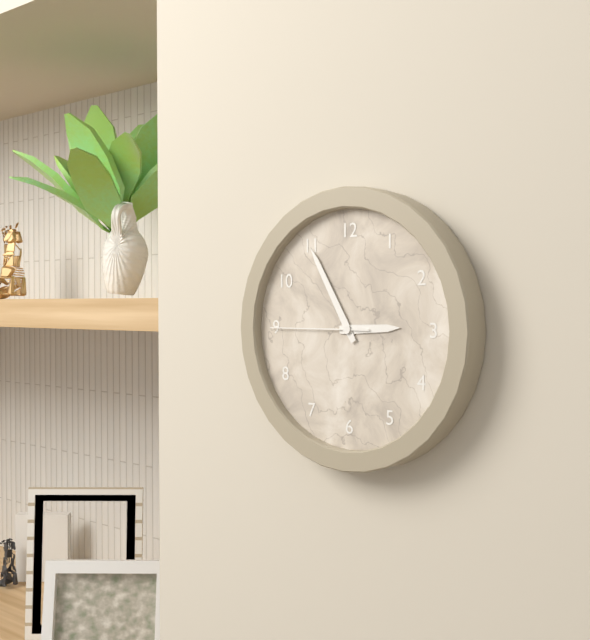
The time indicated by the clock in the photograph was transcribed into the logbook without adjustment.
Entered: 2:55:45
